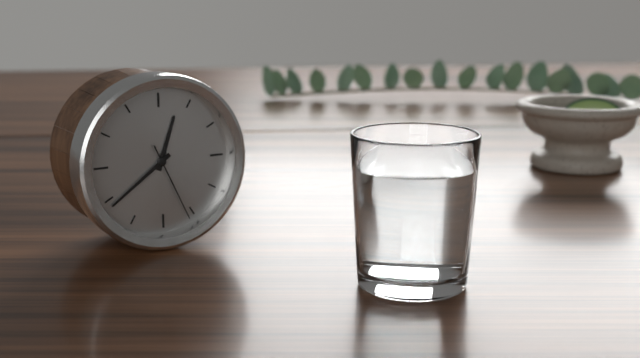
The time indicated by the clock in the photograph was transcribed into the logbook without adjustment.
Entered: 12:39:26
